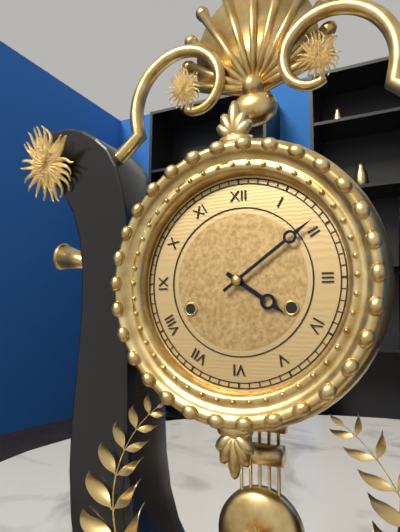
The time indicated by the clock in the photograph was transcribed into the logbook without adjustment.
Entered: 4:09
